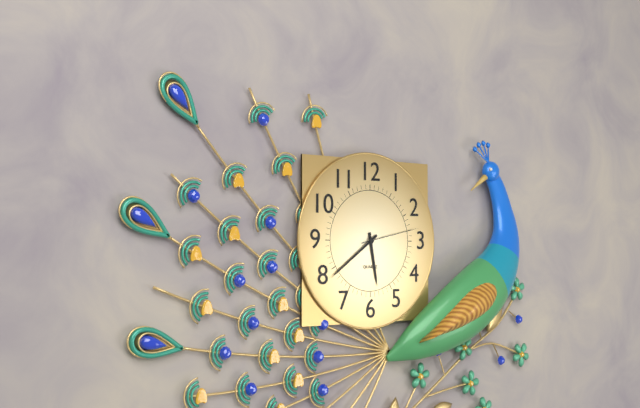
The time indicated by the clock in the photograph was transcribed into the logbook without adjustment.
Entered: 5:39:13
